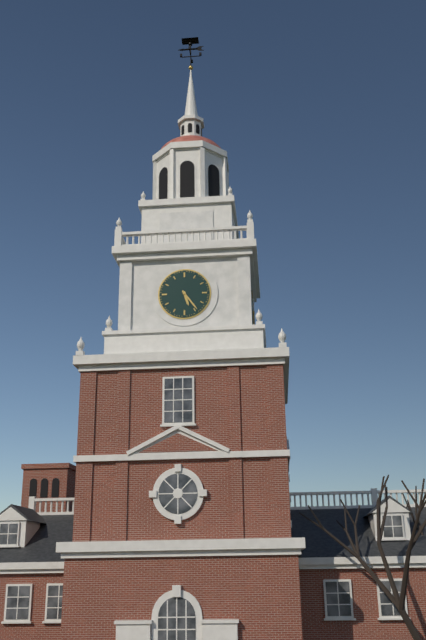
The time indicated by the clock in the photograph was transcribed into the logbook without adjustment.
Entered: 5:24
